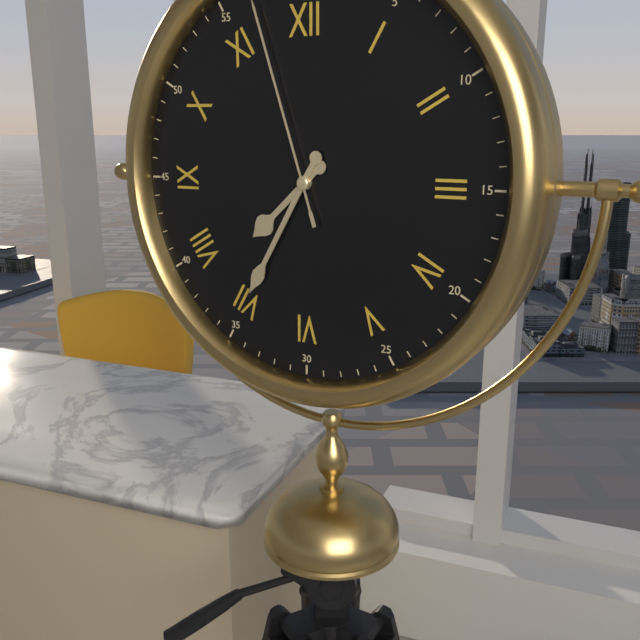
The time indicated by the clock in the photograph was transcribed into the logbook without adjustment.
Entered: 7:35
